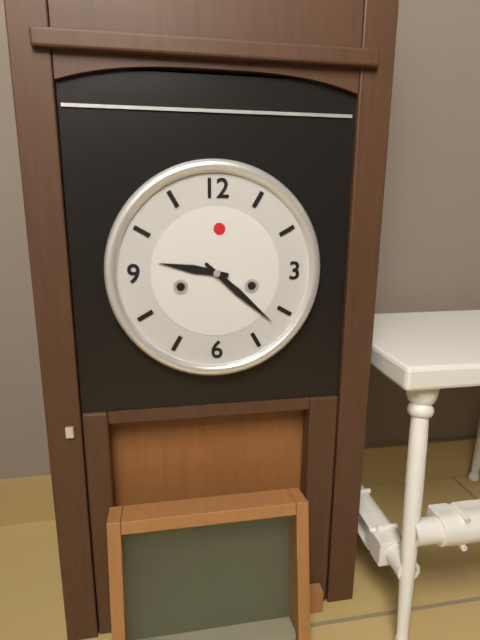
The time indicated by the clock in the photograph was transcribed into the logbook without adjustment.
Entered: 9:22
